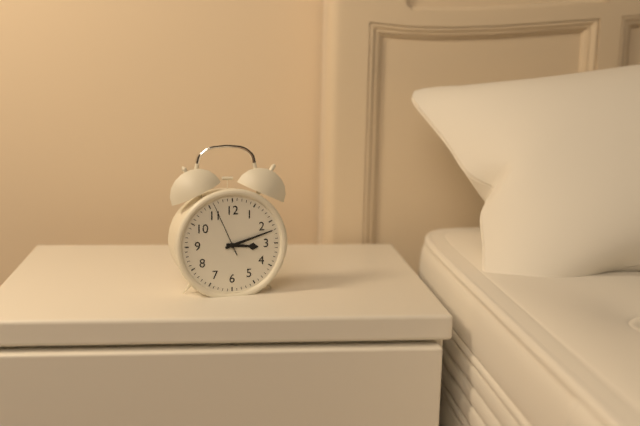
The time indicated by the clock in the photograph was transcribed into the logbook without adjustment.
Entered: 3:12:56
